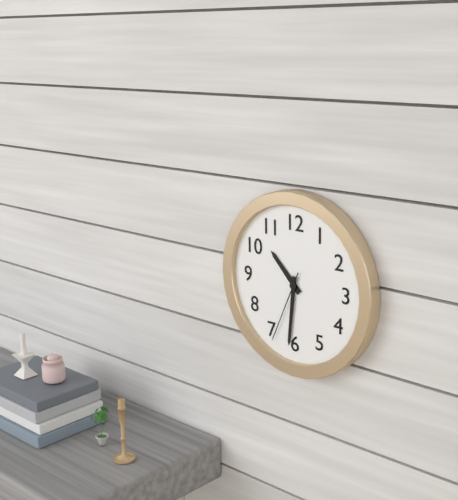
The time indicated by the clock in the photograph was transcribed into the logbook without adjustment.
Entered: 10:31:34
